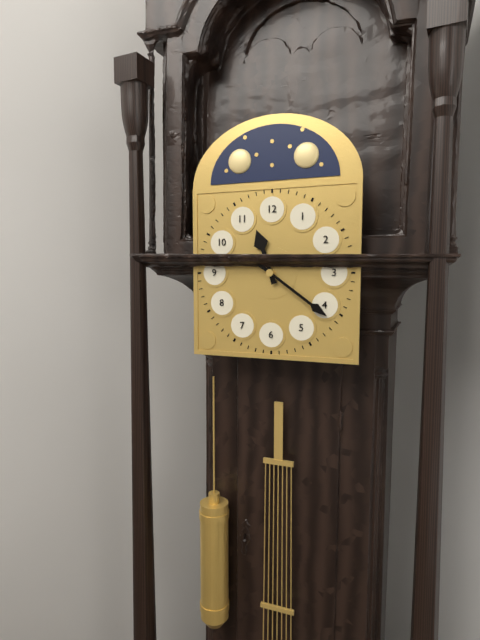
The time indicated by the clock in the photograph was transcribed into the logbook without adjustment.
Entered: 11:21
